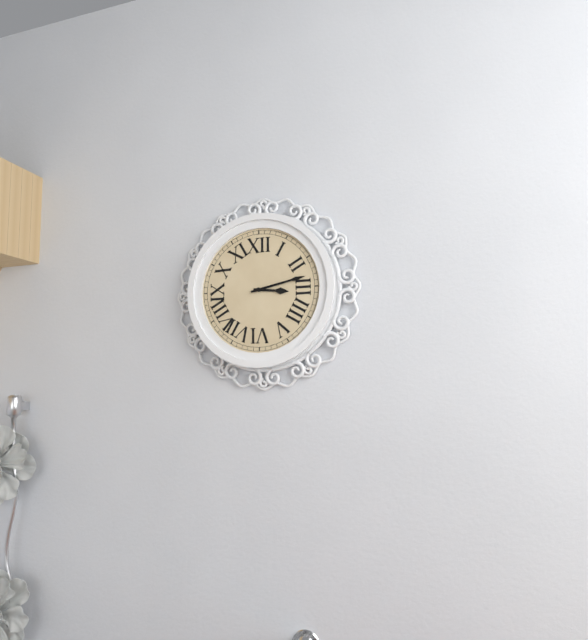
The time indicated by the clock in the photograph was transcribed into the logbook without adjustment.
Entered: 3:13
